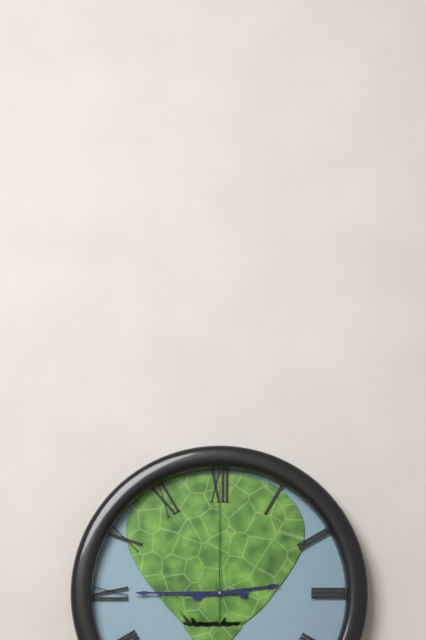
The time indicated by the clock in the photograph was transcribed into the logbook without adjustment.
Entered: 2:45:00
